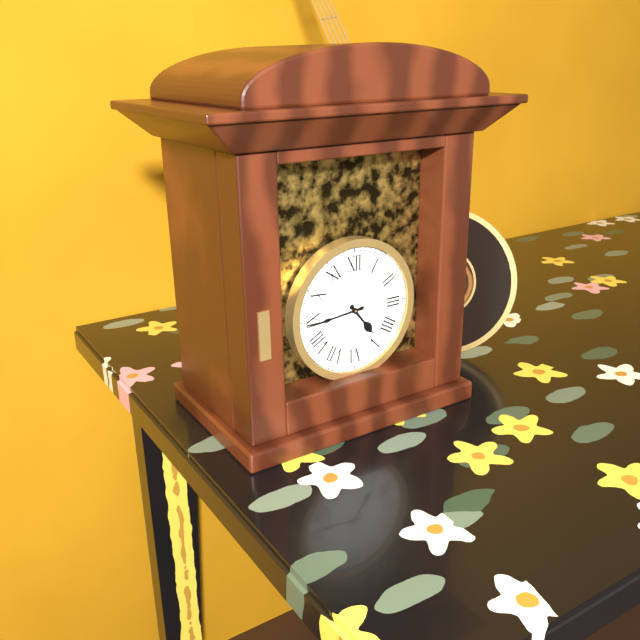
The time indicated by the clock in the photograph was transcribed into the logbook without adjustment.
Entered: 4:44
